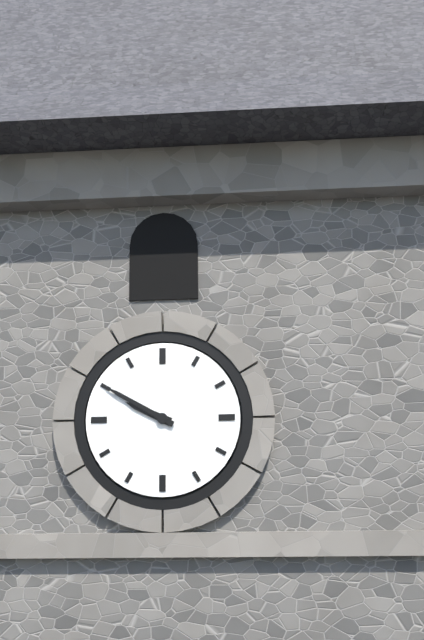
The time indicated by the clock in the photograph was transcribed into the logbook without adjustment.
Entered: 9:50
